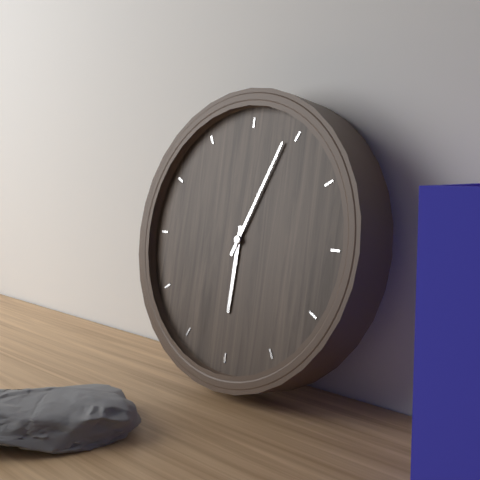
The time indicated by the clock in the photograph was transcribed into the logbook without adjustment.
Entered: 6:04
